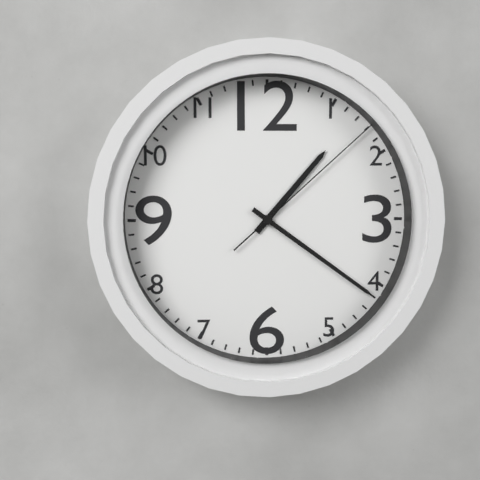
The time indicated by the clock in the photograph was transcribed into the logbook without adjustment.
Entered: 1:21:08
